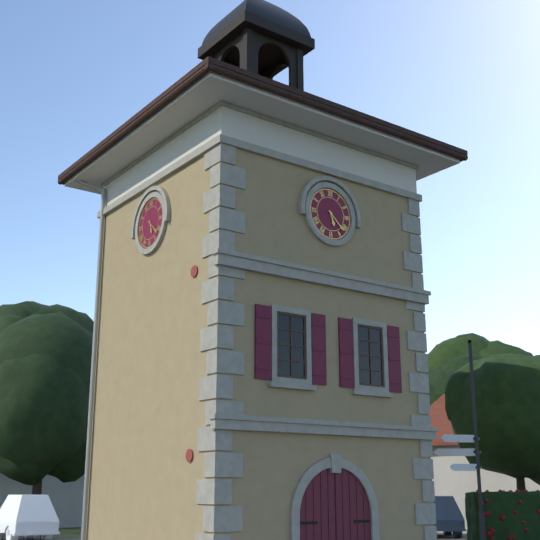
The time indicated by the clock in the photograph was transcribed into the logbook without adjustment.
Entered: 5:22
